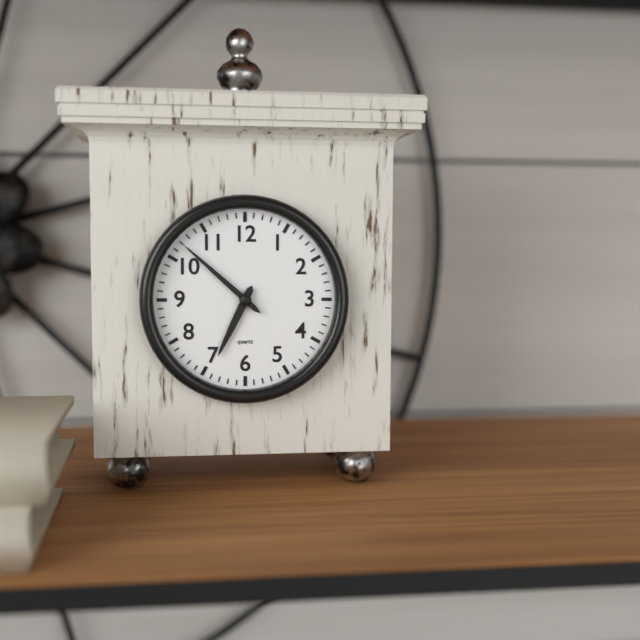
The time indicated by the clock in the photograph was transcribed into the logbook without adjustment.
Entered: 6:52
